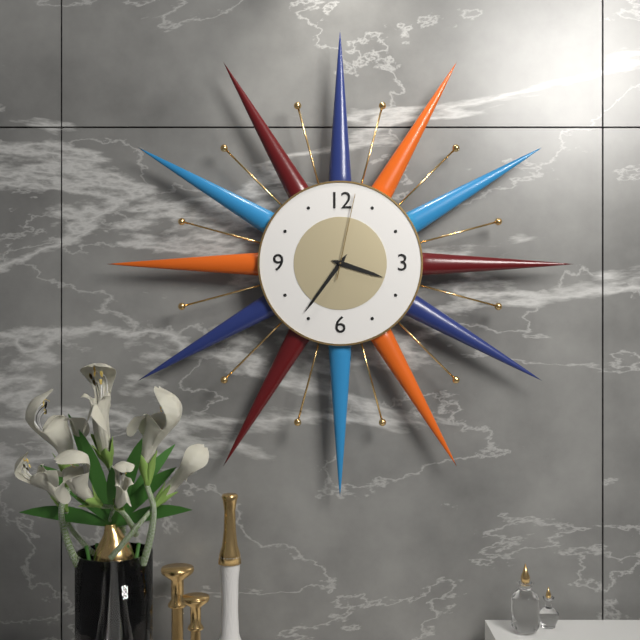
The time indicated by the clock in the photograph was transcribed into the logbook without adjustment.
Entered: 3:36:02
